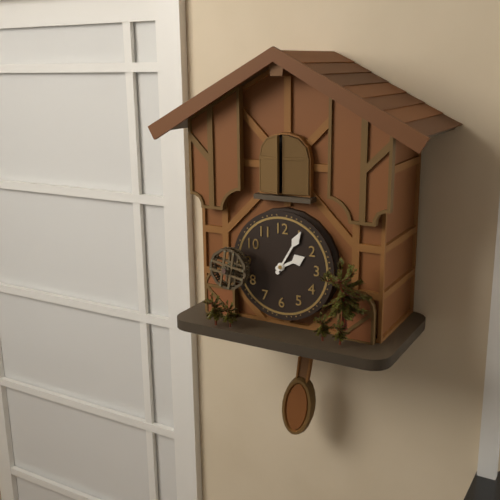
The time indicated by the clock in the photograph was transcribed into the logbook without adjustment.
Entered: 2:05
